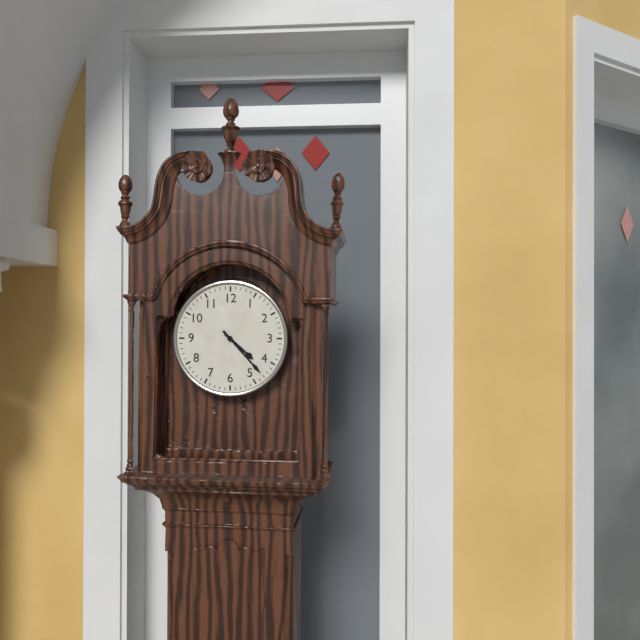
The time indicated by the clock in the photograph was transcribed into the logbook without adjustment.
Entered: 4:23
